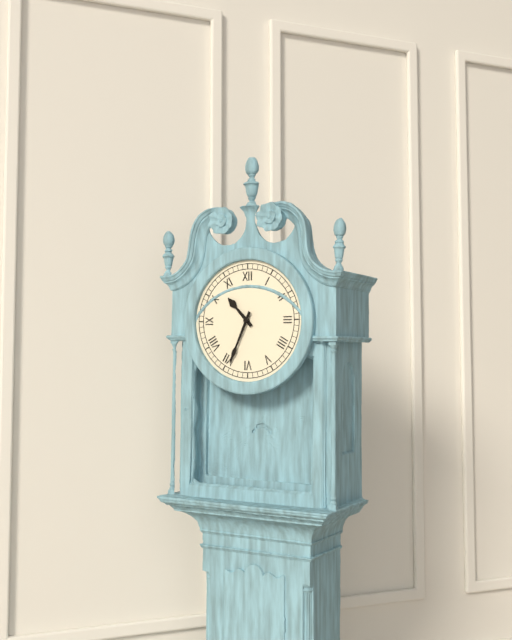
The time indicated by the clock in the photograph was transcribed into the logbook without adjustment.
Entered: 10:34
